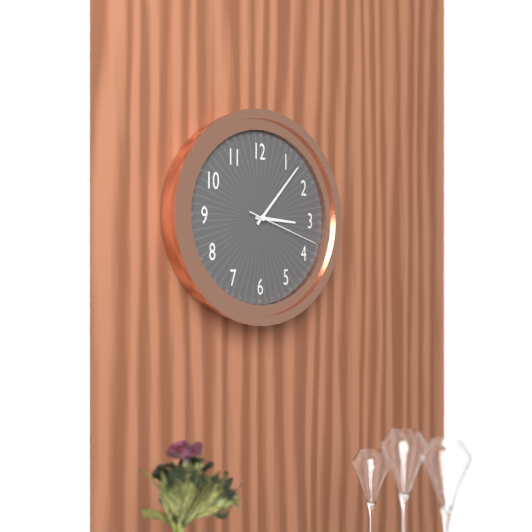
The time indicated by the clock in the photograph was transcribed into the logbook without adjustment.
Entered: 3:07:18
